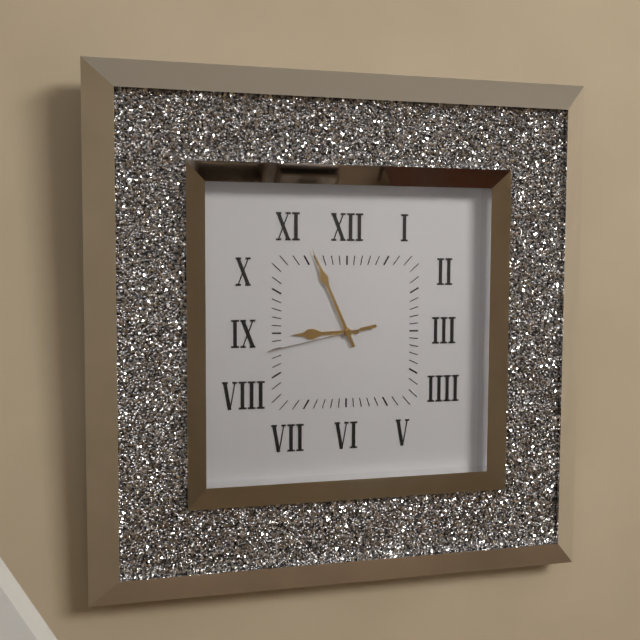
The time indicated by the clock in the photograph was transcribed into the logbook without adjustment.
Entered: 8:56:43
